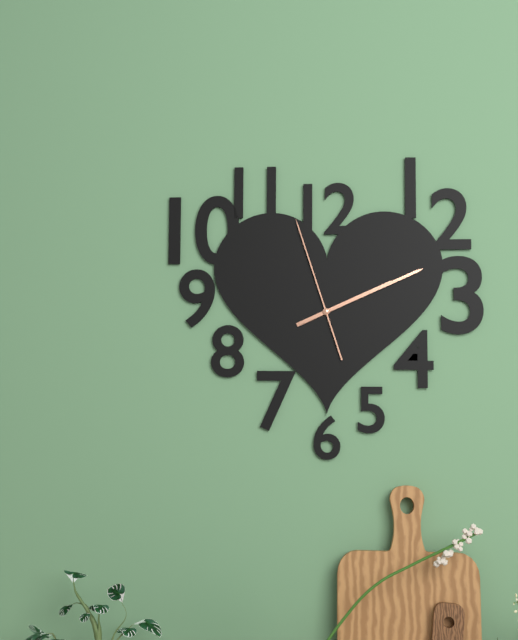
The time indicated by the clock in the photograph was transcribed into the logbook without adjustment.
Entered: 2:11:57
